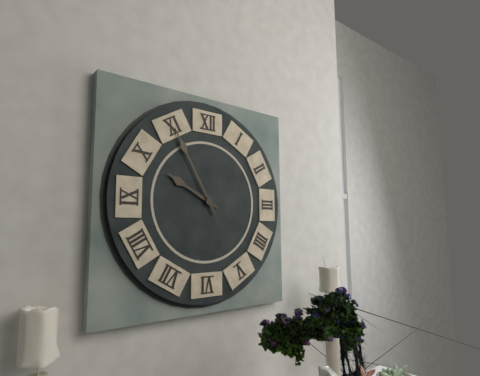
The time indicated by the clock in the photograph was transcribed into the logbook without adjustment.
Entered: 9:55
